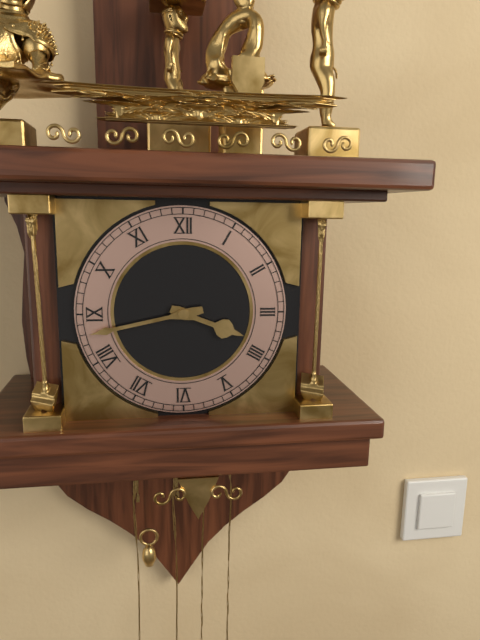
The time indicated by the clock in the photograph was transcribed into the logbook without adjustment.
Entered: 3:43
